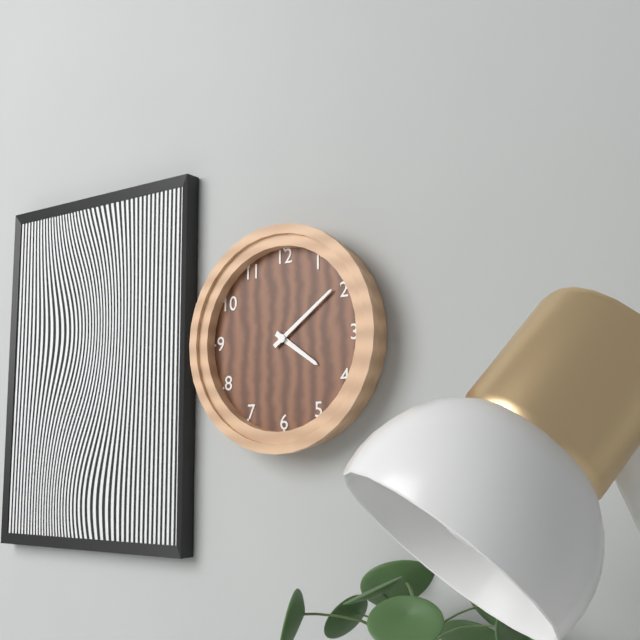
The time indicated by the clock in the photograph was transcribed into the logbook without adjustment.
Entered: 4:09
